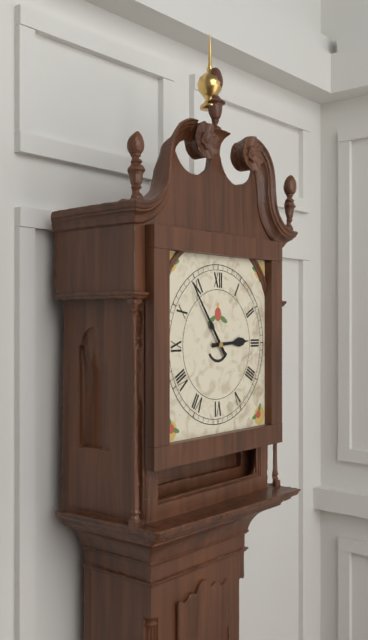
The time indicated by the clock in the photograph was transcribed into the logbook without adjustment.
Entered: 2:54
